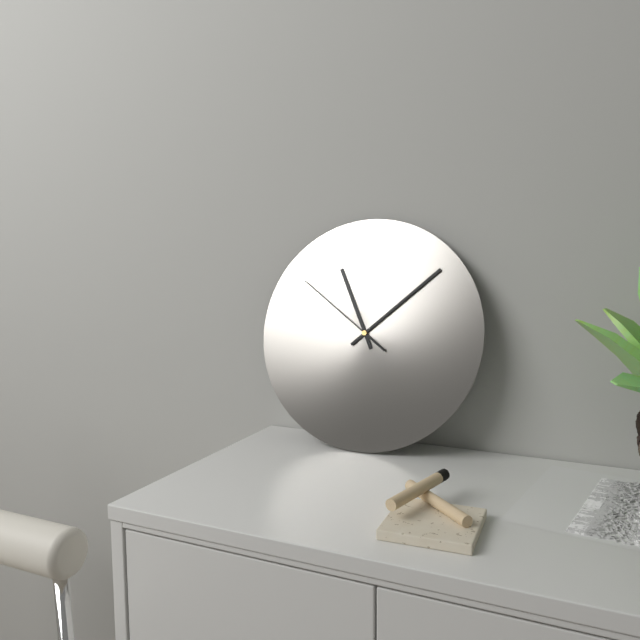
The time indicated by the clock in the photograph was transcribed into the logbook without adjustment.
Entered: 11:08:51
